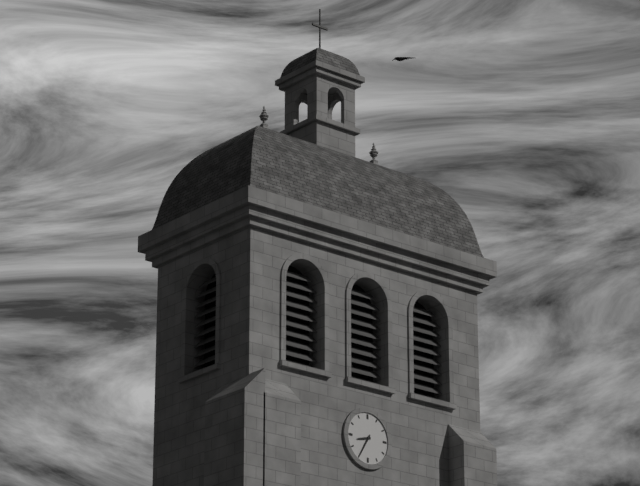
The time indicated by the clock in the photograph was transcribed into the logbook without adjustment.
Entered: 8:35
